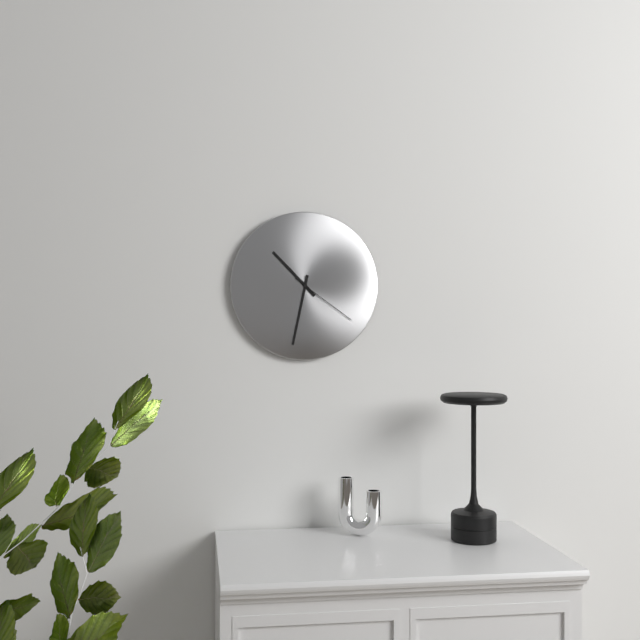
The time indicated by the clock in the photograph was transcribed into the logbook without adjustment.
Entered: 10:32:21
